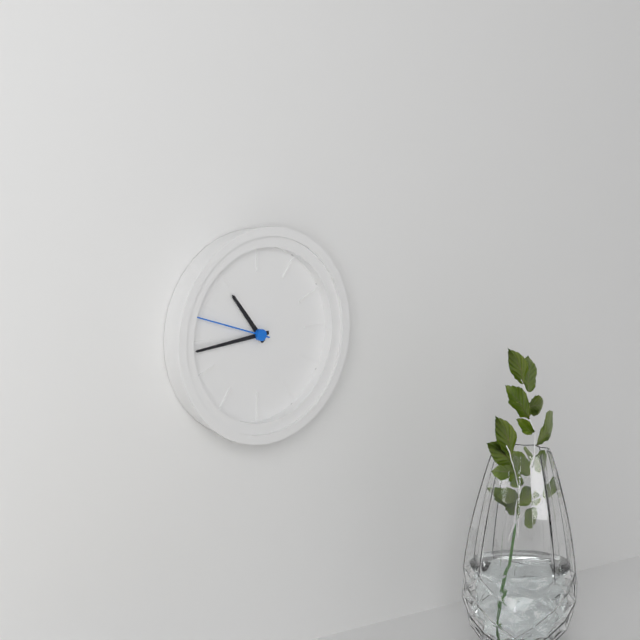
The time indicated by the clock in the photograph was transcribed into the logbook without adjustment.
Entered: 10:44:48
